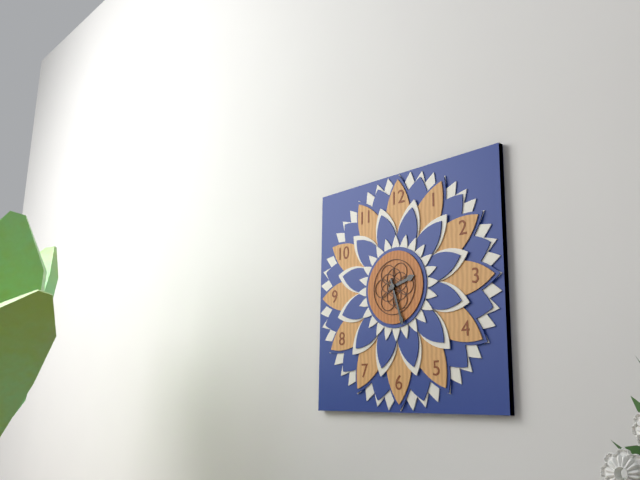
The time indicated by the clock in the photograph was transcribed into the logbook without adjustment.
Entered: 2:27
